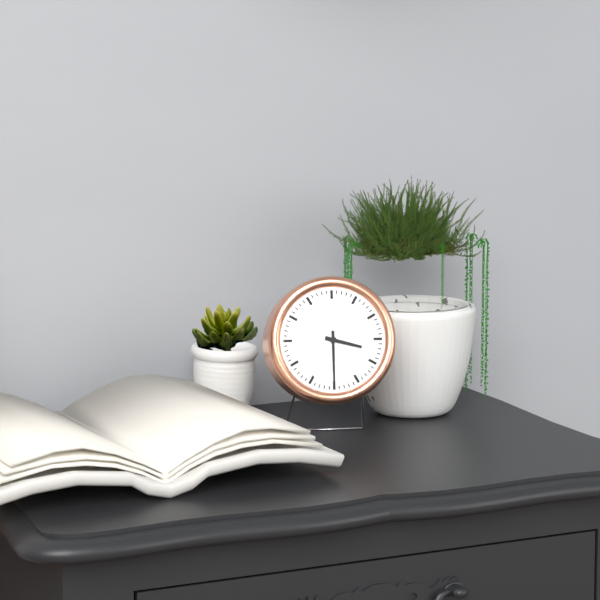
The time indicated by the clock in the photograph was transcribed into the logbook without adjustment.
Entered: 3:30
